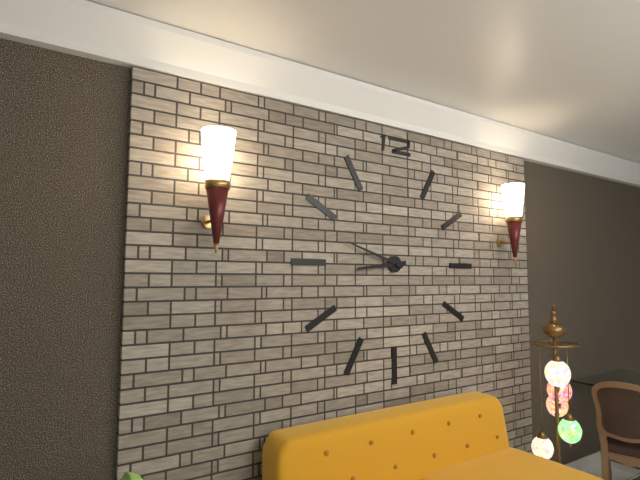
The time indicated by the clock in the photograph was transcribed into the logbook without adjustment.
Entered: 8:48
